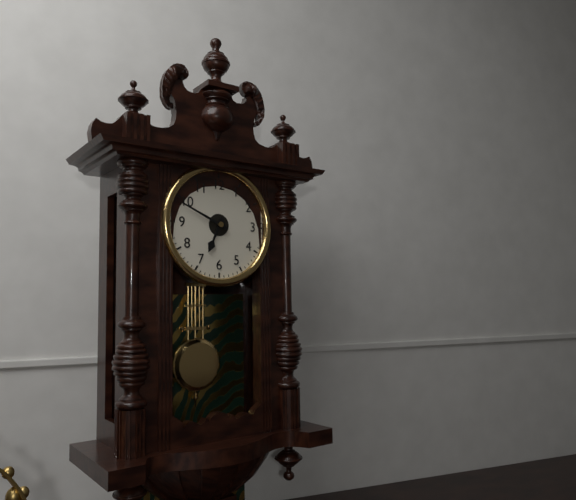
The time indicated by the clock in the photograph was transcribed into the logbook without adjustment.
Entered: 6:49
